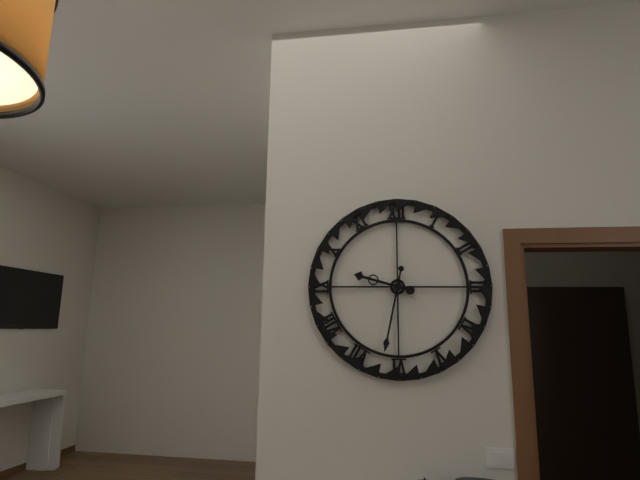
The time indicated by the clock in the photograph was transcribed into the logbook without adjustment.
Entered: 9:32
